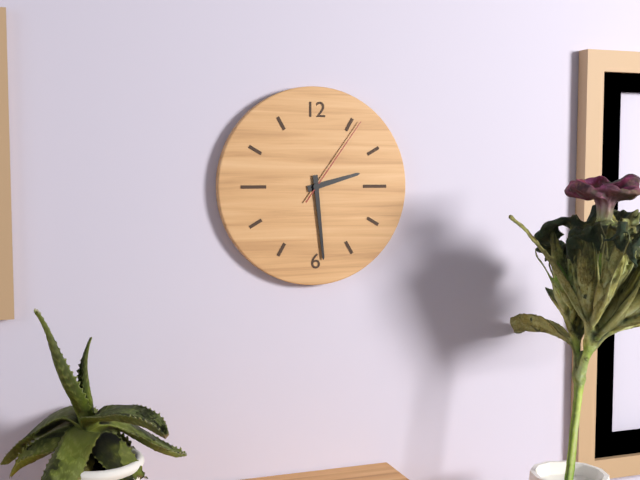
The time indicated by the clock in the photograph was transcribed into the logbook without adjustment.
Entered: 2:29:06
